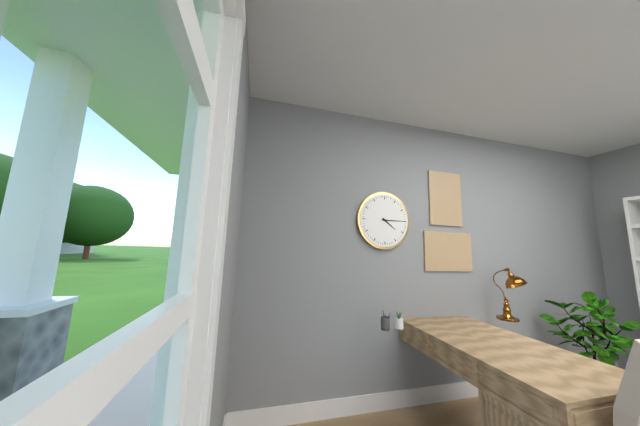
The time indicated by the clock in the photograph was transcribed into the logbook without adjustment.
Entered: 4:15
